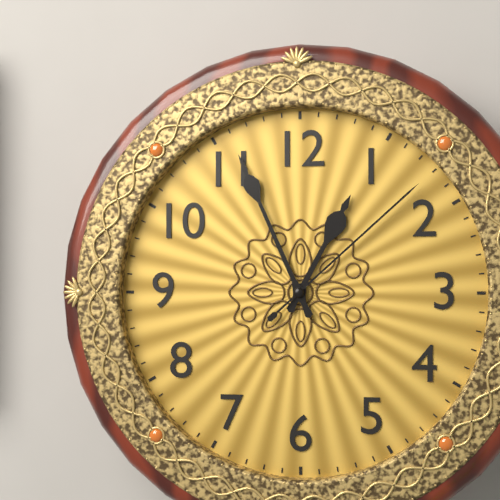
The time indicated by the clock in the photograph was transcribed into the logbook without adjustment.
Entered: 12:56:08
